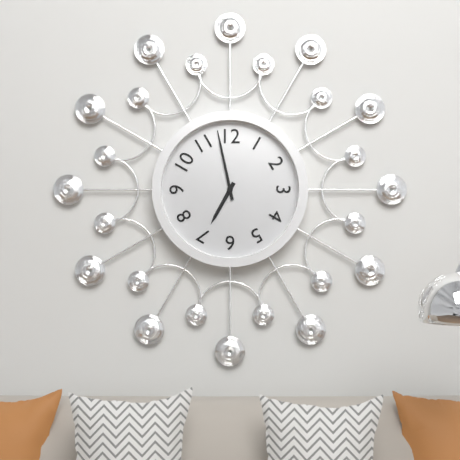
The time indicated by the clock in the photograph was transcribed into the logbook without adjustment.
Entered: 6:58
